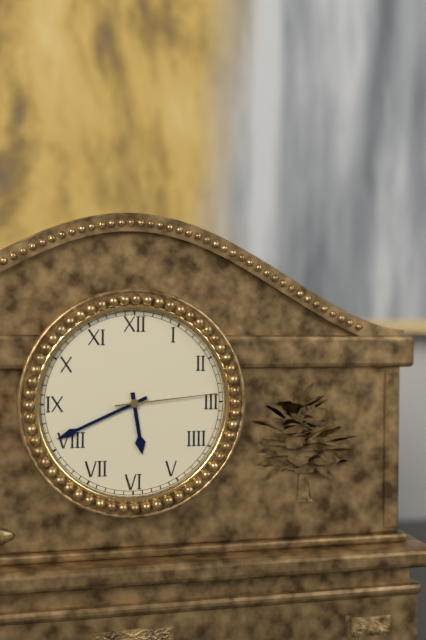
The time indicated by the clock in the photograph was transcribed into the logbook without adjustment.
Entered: 5:41:14
